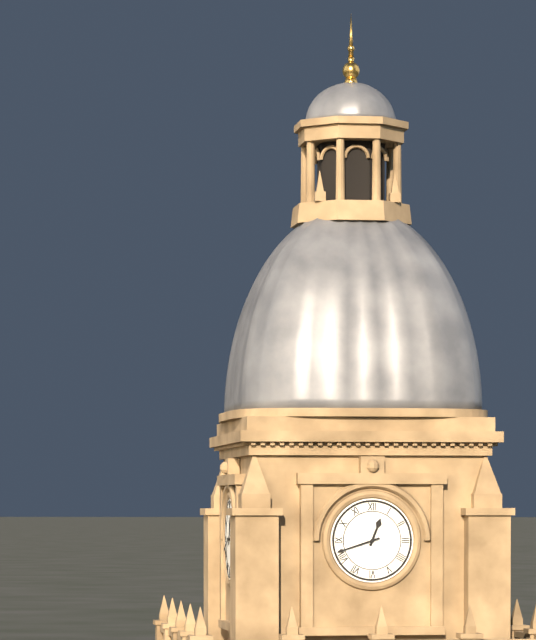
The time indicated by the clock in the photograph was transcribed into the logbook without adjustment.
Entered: 12:42
